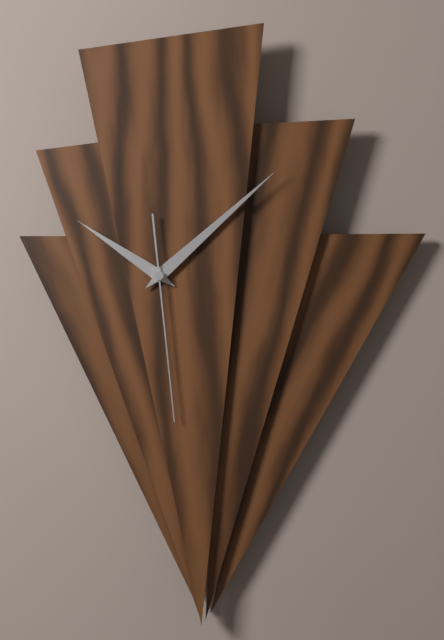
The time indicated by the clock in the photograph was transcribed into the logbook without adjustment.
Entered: 10:08:29
